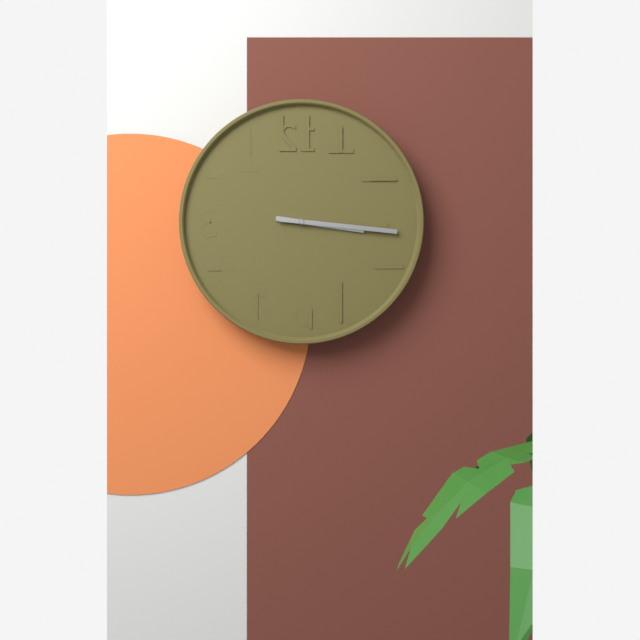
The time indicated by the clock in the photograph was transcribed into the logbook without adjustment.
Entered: 3:16
